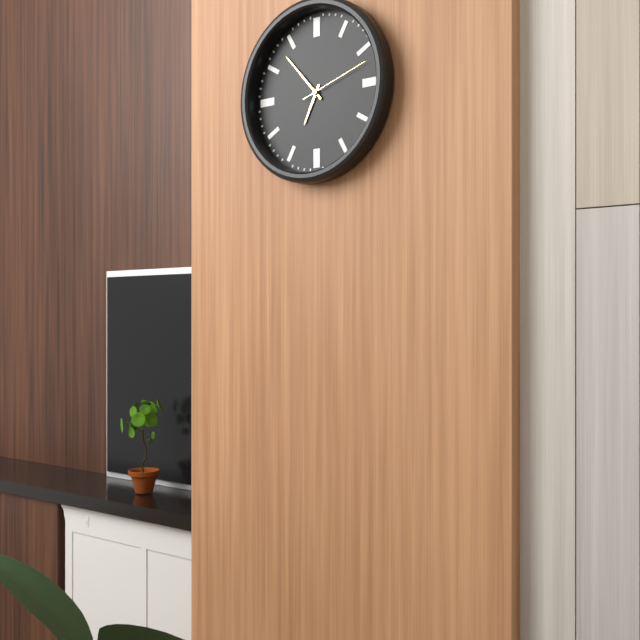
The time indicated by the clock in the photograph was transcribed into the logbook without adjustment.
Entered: 6:53:12
